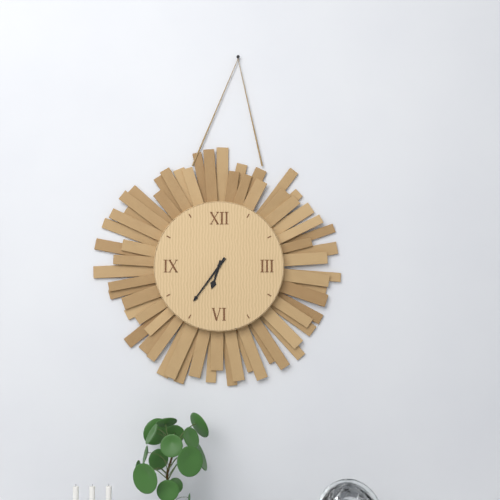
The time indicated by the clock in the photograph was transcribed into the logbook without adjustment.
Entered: 6:36
